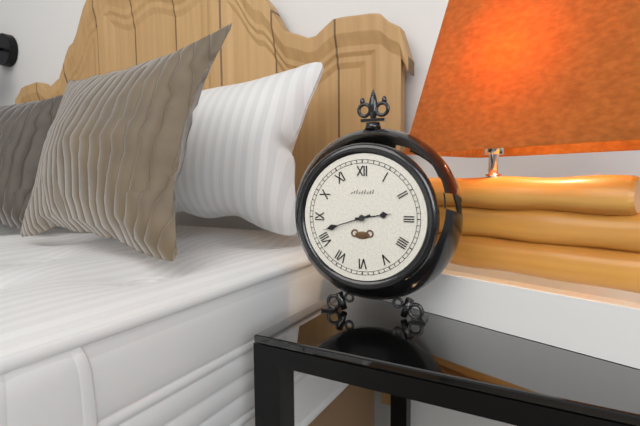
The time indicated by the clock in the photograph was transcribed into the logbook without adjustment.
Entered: 2:42
